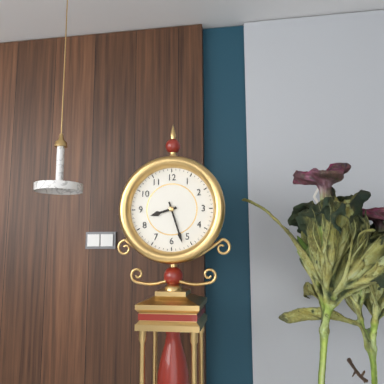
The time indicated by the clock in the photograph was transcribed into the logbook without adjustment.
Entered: 8:27
